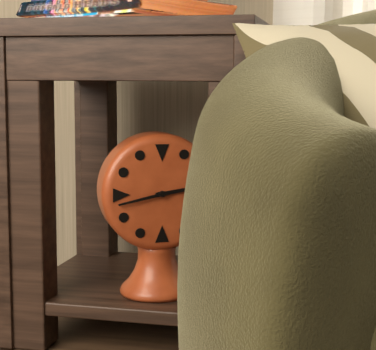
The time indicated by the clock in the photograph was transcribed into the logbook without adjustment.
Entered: 2:43
